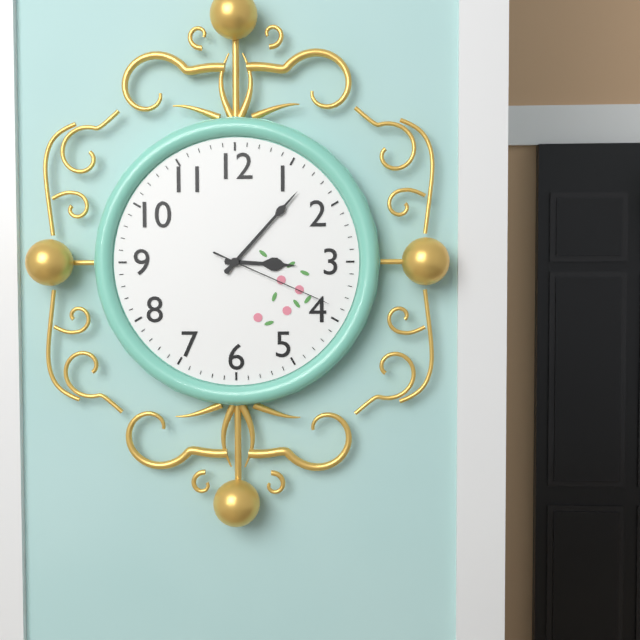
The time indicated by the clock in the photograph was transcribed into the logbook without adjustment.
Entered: 3:07:19
